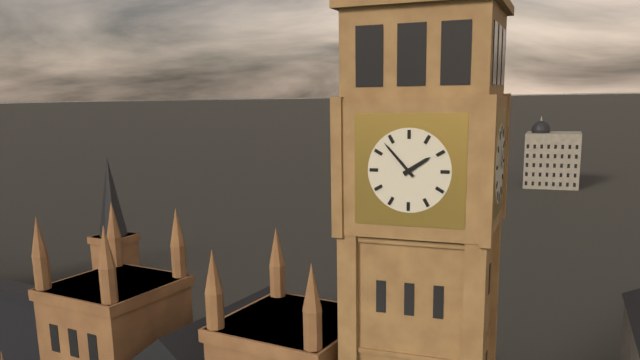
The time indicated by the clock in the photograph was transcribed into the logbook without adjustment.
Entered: 1:53
